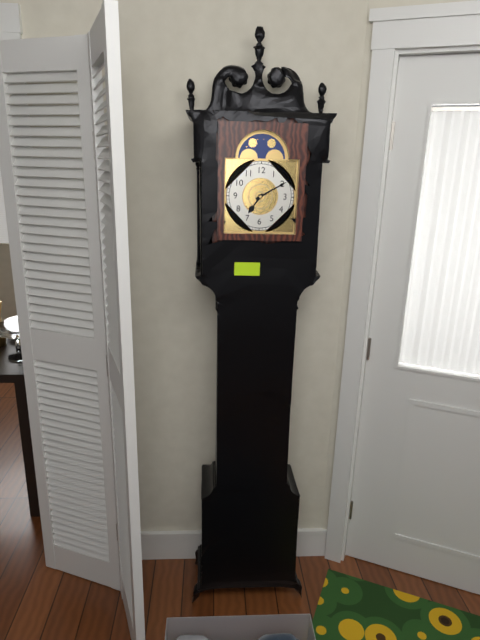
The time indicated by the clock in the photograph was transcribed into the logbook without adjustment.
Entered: 7:10
